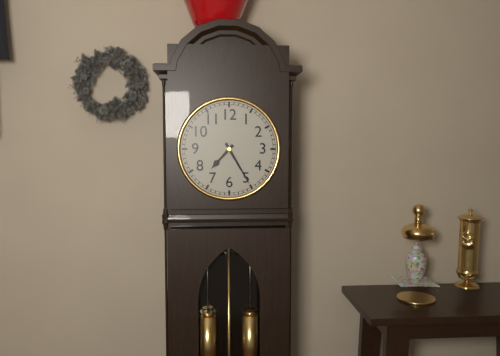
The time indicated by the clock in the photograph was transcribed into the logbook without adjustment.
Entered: 7:25
